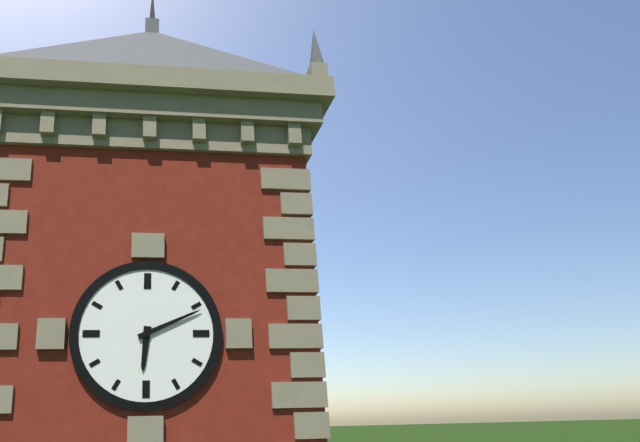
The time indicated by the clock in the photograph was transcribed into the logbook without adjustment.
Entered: 6:11
